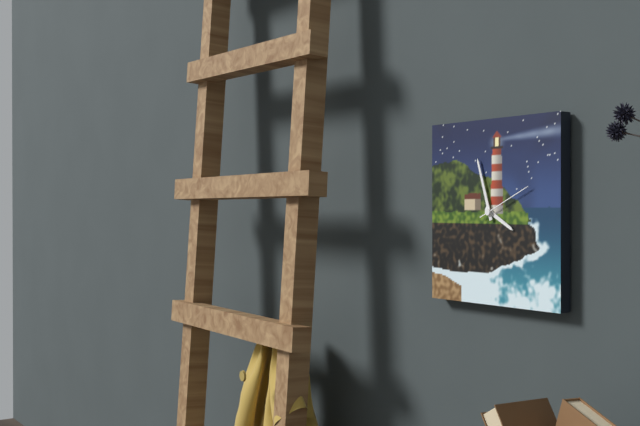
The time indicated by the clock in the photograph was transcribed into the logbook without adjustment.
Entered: 3:57:11
